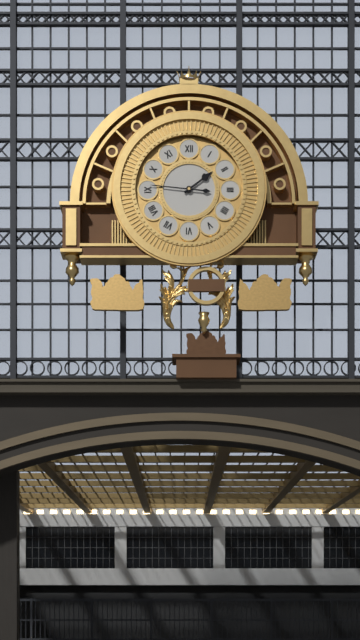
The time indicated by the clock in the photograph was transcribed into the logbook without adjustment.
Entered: 1:46
